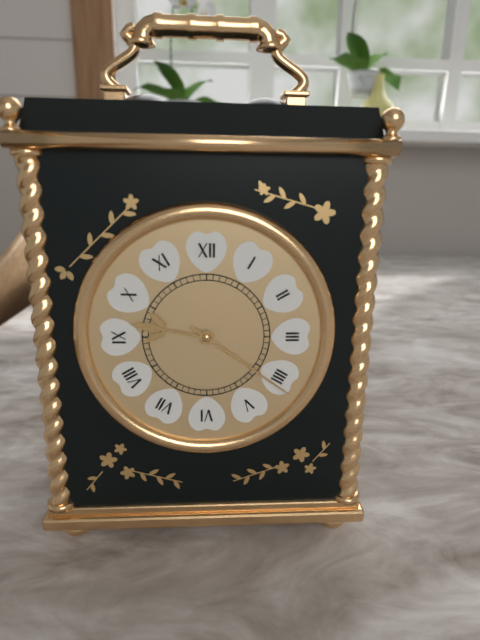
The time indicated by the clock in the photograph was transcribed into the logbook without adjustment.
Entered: 9:21
